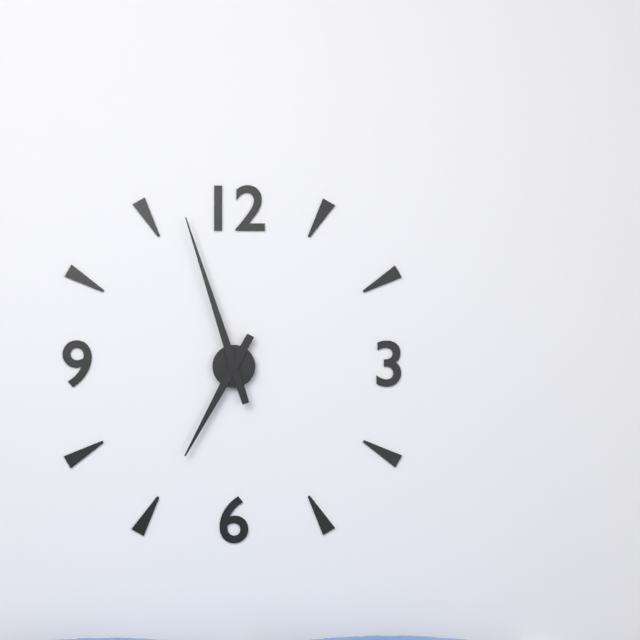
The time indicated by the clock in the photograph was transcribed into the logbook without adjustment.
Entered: 6:57
